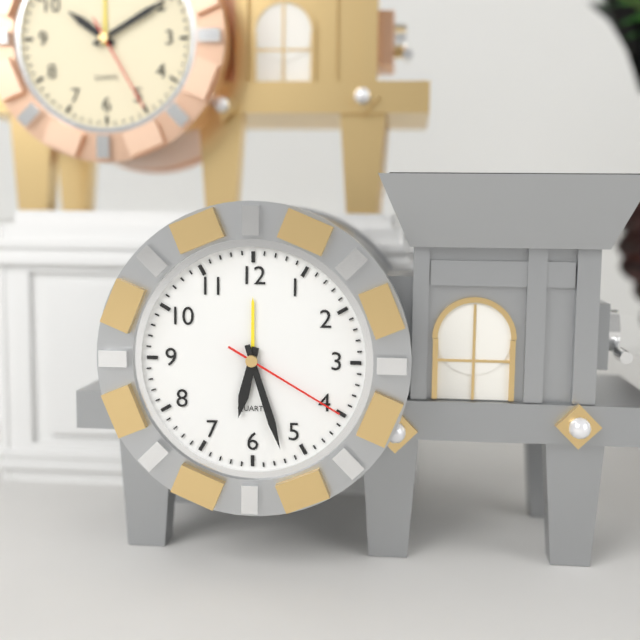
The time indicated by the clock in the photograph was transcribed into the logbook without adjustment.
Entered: 6:27:20
